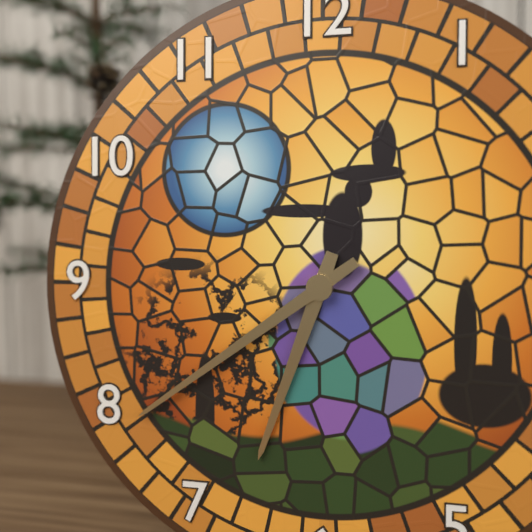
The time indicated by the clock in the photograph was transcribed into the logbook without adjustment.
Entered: 6:39
